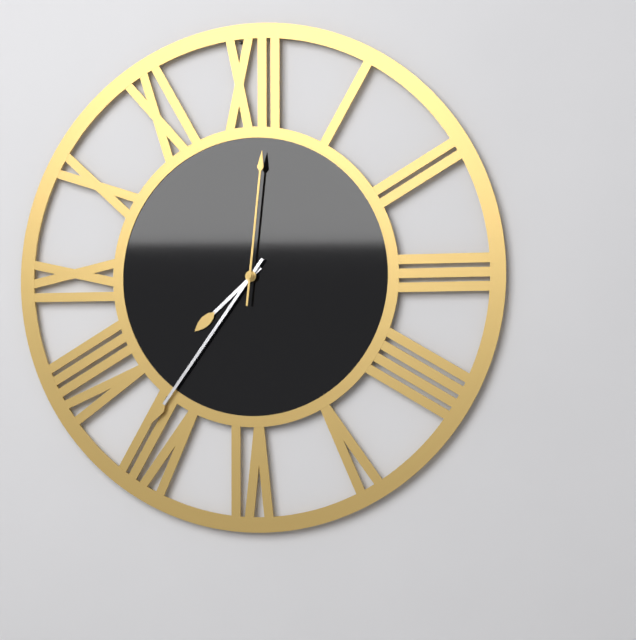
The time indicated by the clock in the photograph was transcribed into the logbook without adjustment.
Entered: 7:36:01
